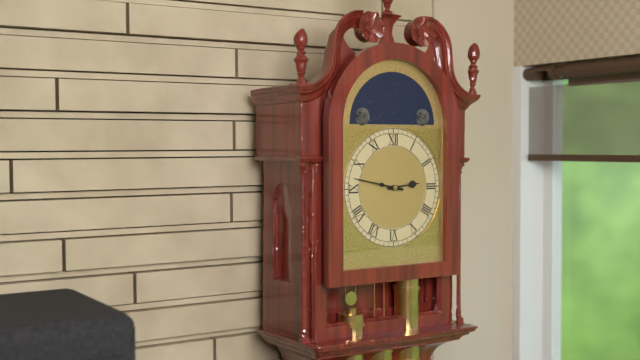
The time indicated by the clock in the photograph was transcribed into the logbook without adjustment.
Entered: 2:47
